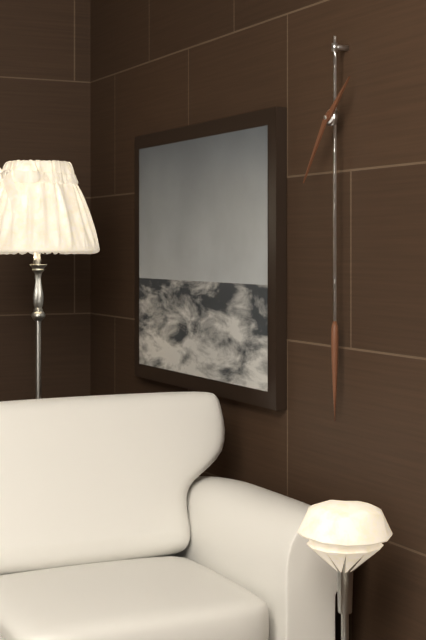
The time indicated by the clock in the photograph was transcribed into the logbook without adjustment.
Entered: 1:36
